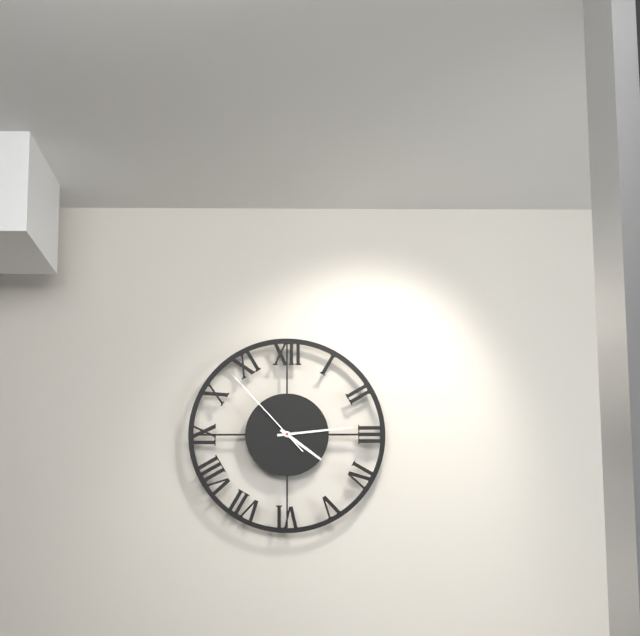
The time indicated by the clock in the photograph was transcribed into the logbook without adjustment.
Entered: 4:14:53
